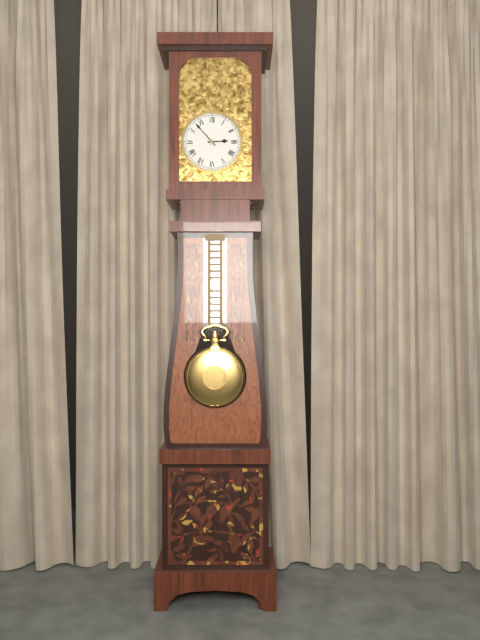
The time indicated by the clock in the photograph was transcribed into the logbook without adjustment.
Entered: 2:53
